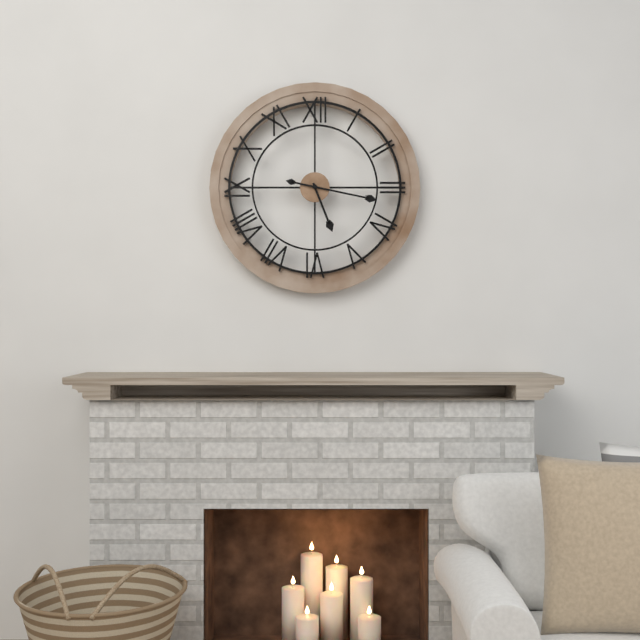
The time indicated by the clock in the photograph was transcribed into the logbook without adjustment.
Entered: 5:17
